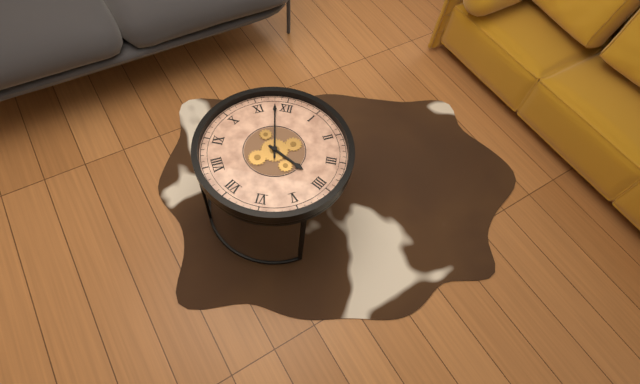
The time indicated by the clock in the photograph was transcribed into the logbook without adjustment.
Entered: 3:58
